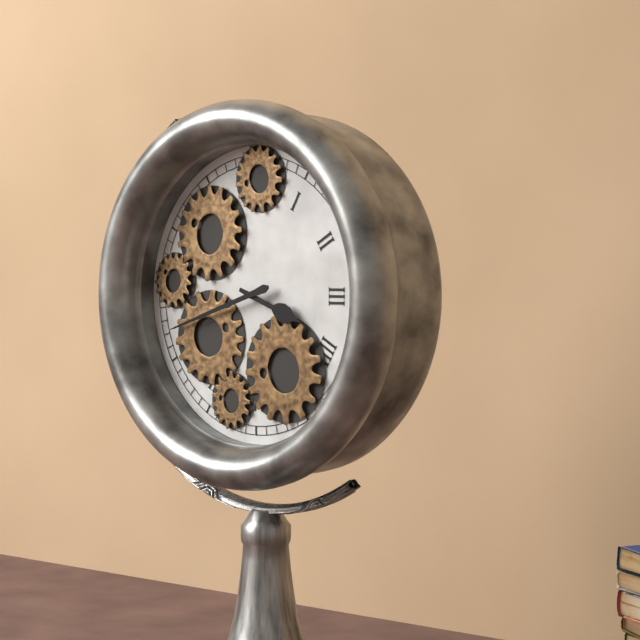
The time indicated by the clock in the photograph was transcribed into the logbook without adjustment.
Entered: 3:42
